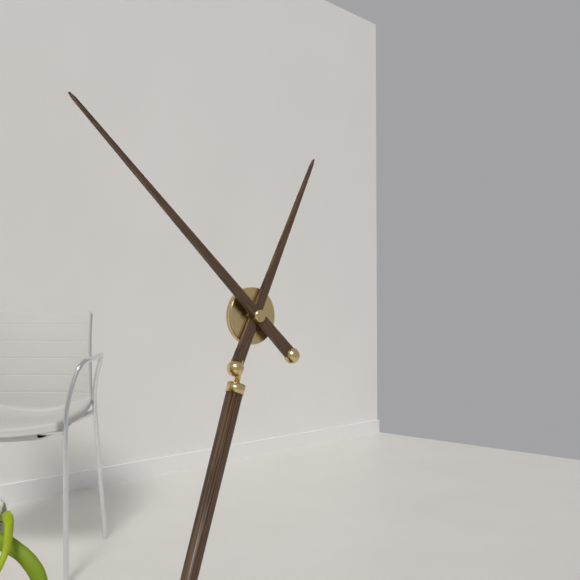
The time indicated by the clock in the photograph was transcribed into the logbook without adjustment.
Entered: 12:52
